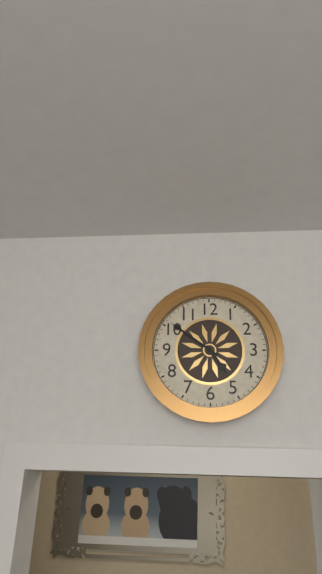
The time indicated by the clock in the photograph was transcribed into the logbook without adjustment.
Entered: 4:51
